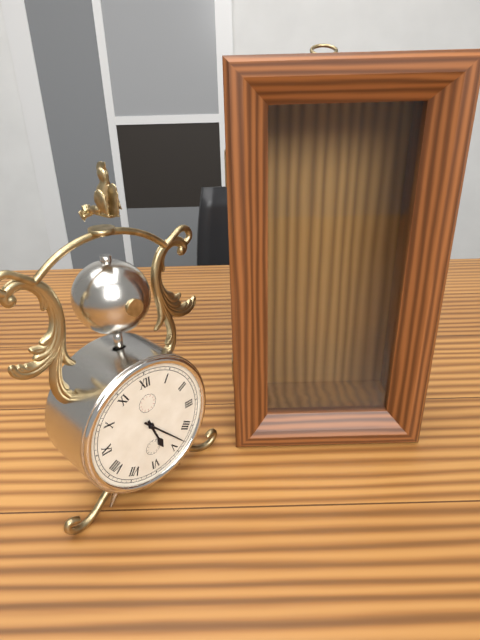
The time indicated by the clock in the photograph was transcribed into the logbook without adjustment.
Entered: 5:23
